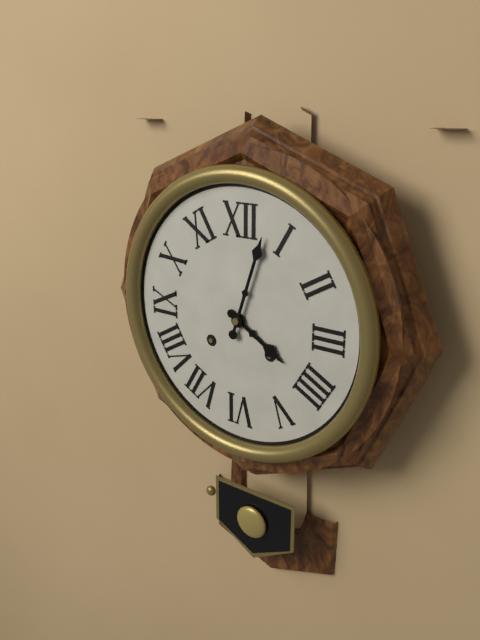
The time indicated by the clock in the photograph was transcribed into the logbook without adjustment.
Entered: 4:03
